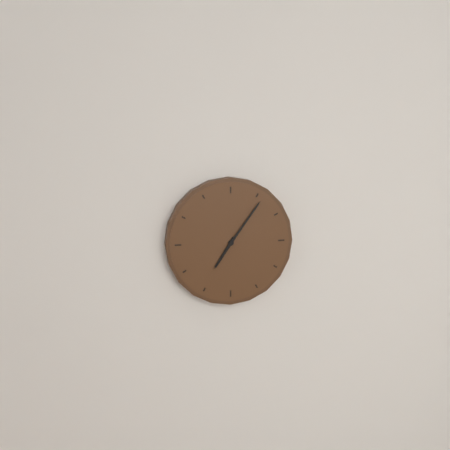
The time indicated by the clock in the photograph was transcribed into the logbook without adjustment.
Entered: 7:06
